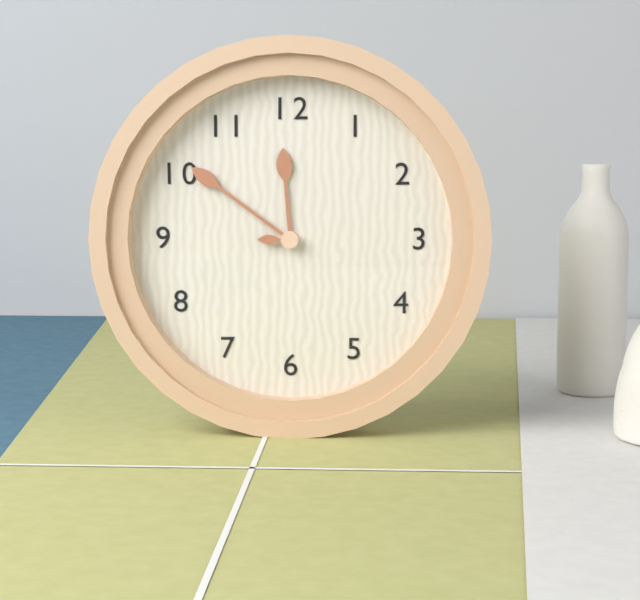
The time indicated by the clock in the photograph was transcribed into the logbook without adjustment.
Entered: 11:51
